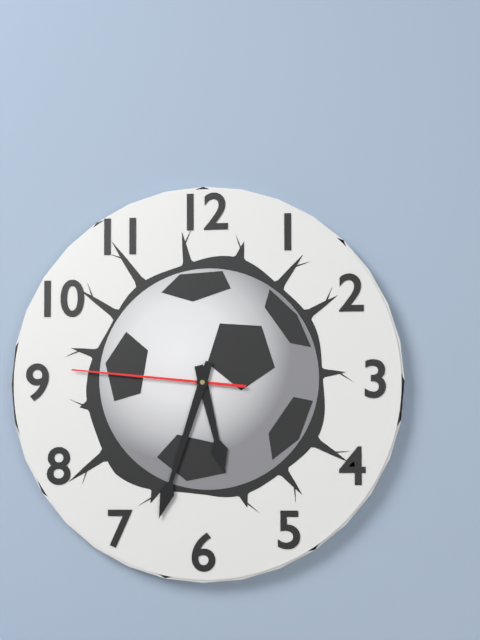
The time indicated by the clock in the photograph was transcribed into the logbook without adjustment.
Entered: 5:33:46
